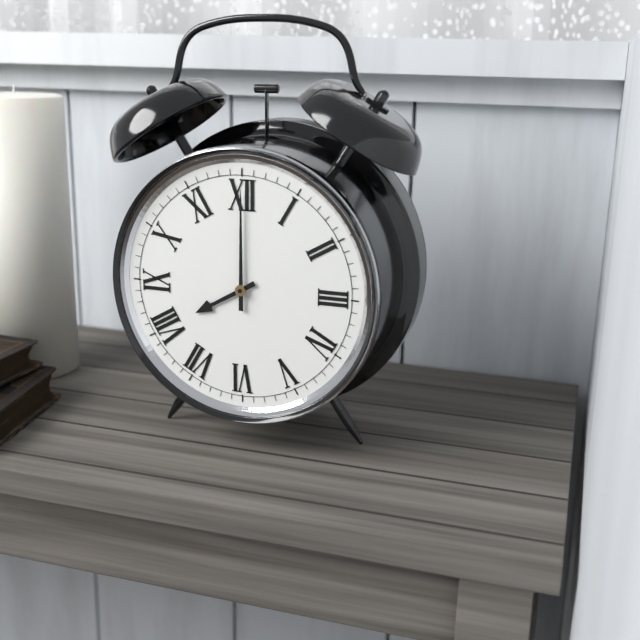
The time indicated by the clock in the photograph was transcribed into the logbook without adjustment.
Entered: 8:00
